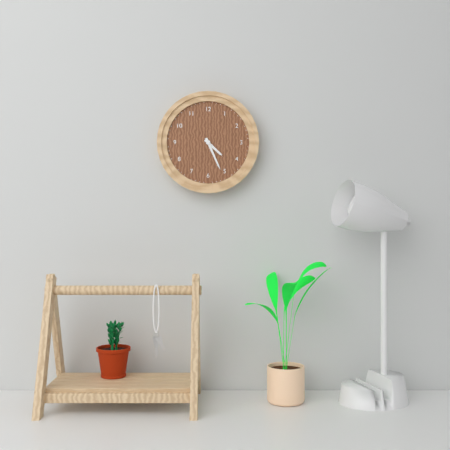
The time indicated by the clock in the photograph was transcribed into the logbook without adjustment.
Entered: 4:26
